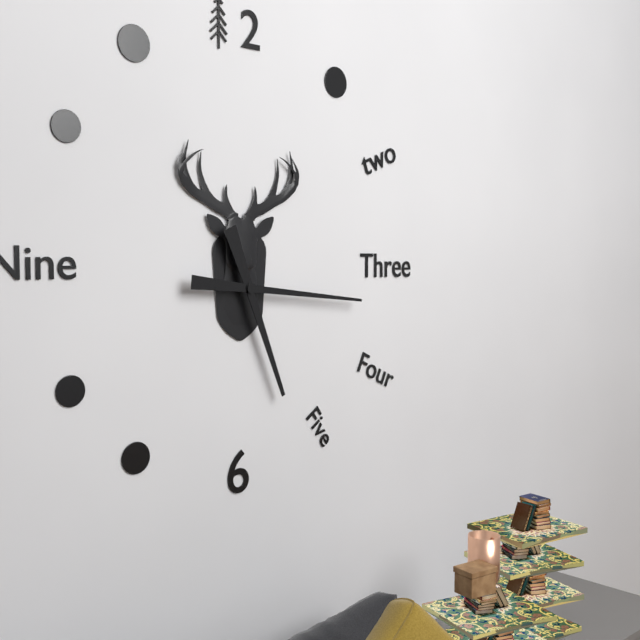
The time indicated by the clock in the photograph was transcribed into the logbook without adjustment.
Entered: 5:16
